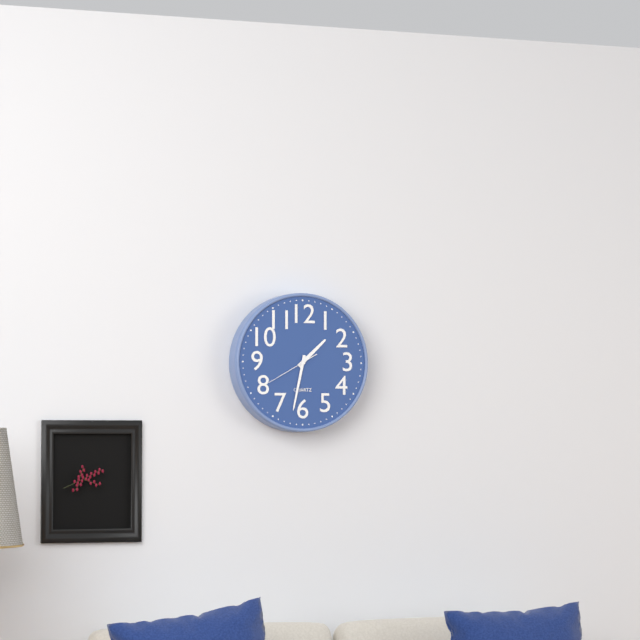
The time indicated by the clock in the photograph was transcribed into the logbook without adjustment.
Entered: 1:32:40
